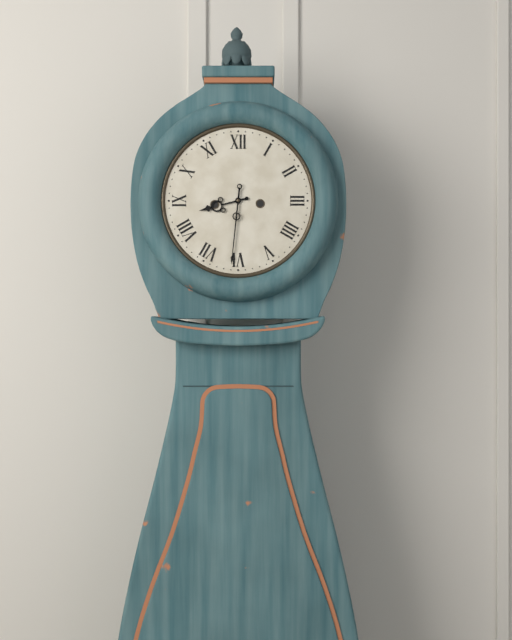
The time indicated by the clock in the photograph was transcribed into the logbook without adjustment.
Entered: 8:31
